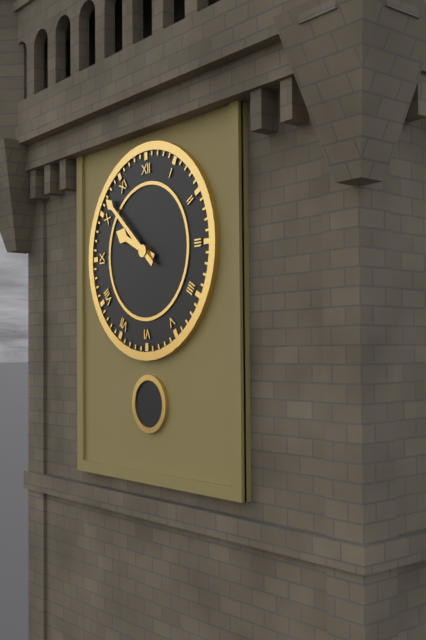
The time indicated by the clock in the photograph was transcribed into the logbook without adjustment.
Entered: 9:52
